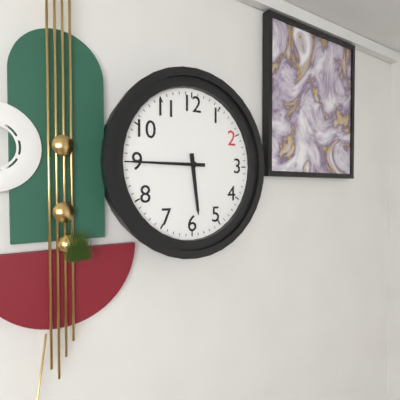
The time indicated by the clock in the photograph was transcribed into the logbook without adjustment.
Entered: 5:45
